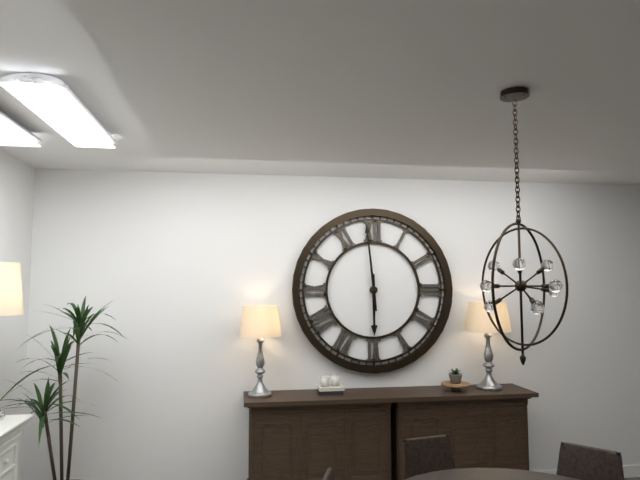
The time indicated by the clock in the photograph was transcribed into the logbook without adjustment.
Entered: 5:59
